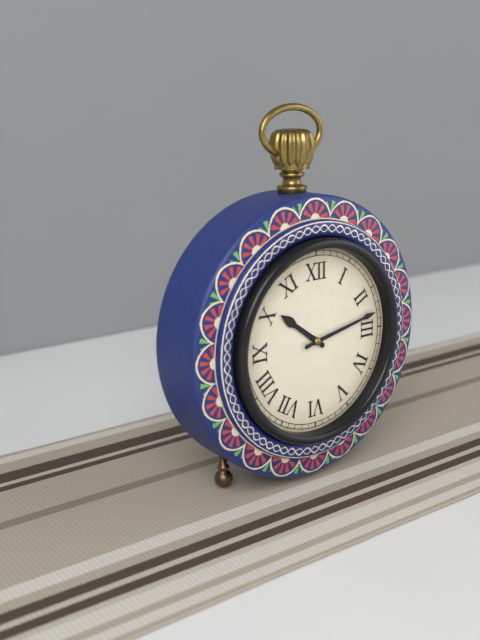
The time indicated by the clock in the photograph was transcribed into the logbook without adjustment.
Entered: 10:13
